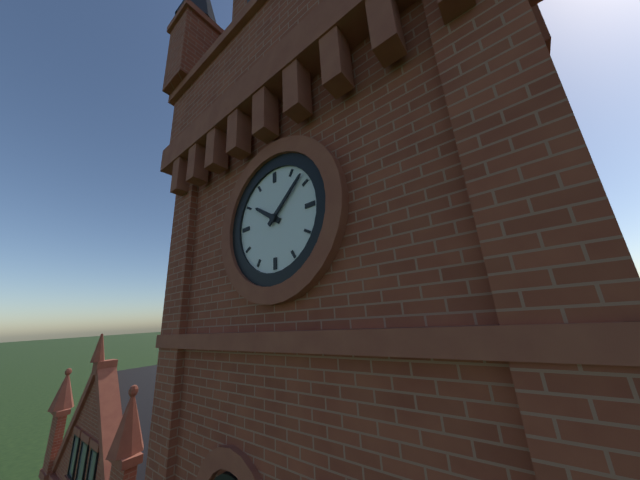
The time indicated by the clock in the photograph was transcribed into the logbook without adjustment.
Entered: 10:08
